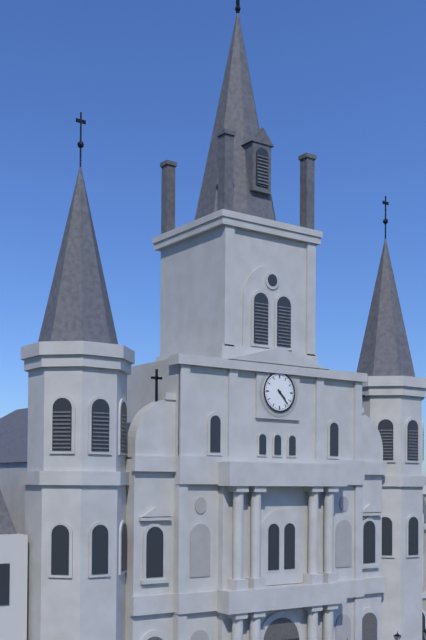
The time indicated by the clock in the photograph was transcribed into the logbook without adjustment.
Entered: 4:23
